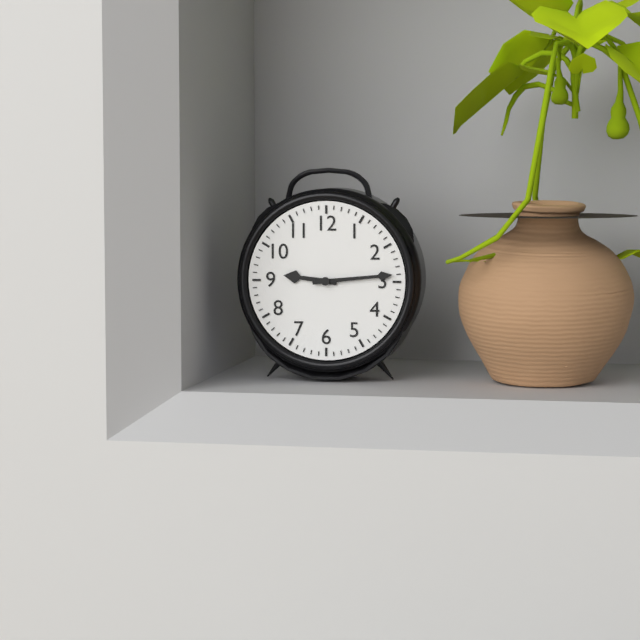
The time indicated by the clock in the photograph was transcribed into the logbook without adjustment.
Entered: 9:14
